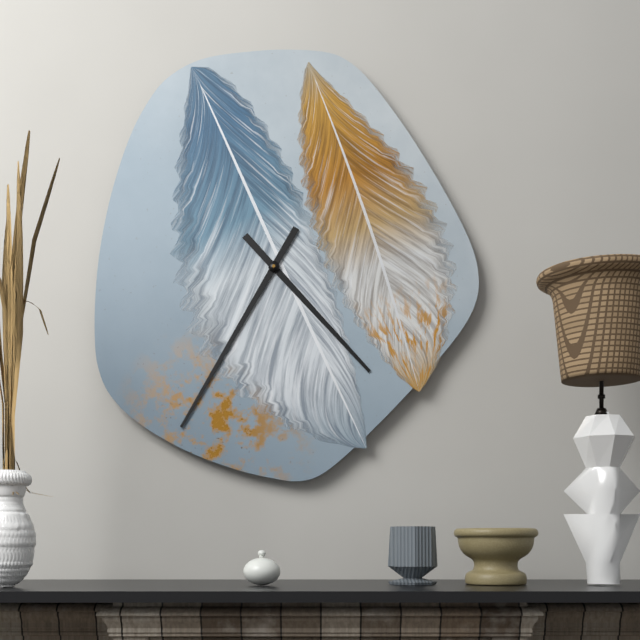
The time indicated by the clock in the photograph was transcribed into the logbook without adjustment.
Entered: 4:35
